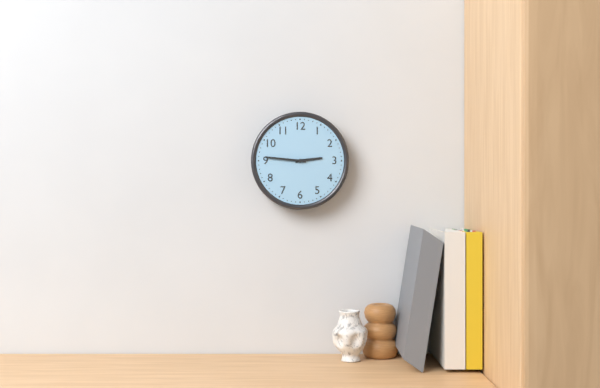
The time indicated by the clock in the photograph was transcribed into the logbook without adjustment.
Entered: 2:46
